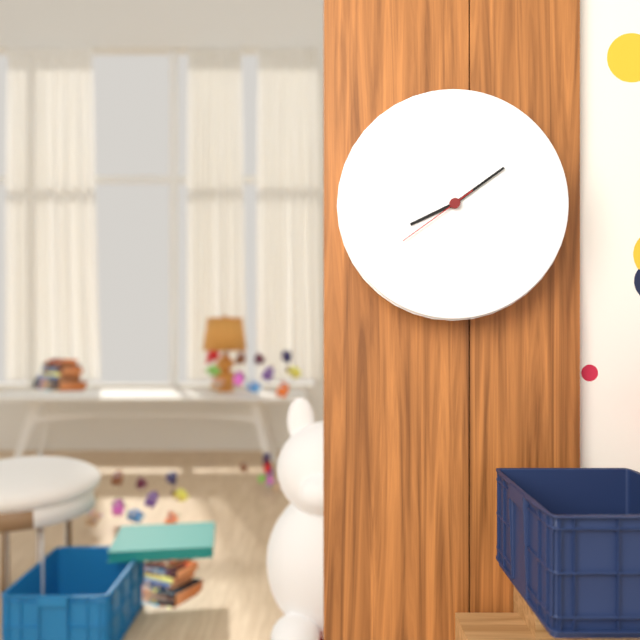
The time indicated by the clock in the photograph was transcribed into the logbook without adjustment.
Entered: 8:09:39
